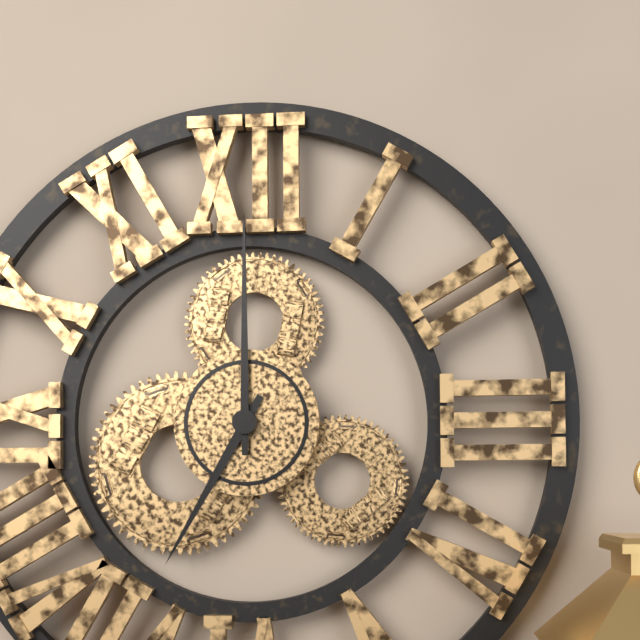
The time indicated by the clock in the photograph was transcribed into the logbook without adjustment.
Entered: 7:00
